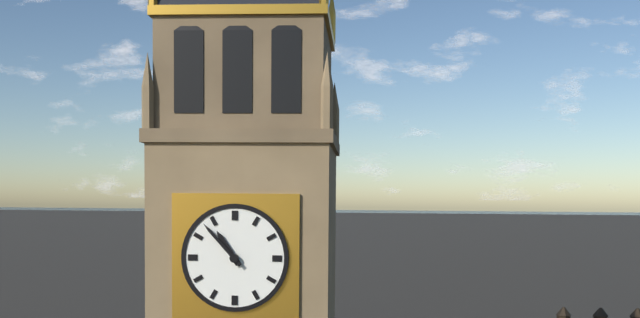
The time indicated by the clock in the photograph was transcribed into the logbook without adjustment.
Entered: 10:53
